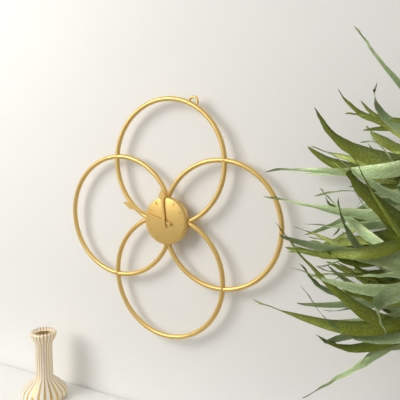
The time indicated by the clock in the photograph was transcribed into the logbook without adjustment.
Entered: 11:48
